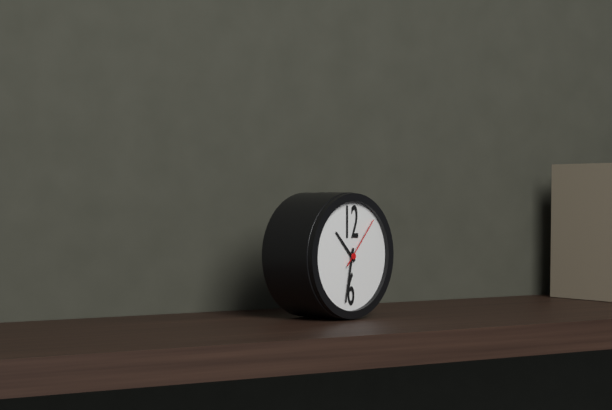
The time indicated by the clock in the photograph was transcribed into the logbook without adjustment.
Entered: 10:32:07
